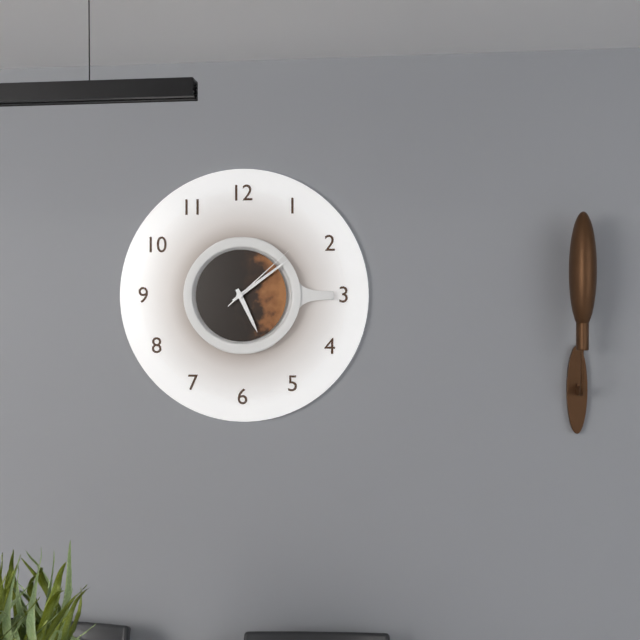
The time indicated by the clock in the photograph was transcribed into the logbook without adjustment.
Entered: 5:09:08
